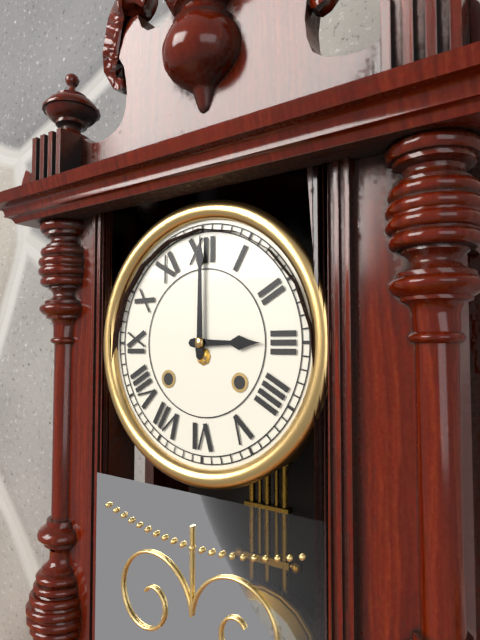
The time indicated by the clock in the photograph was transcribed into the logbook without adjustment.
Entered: 3:00
